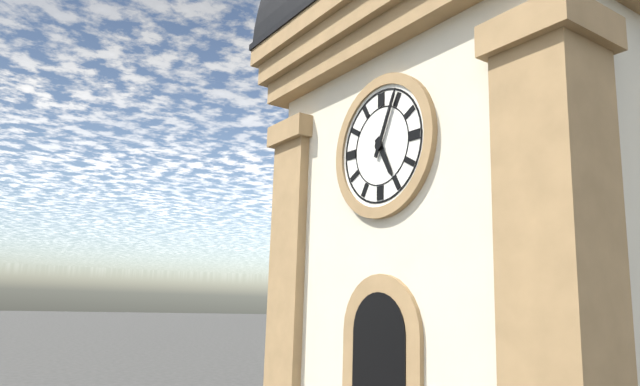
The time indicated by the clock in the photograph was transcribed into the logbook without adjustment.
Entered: 5:04
